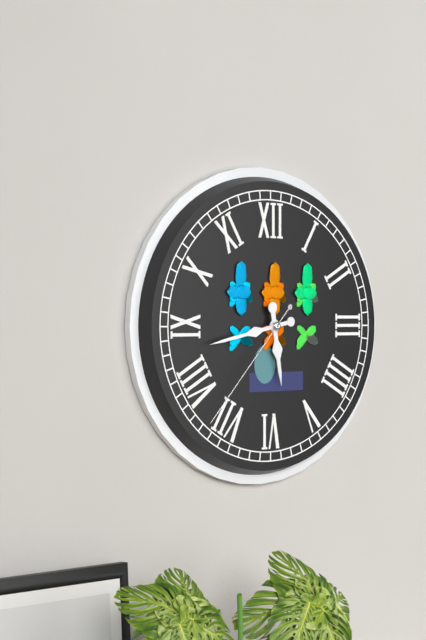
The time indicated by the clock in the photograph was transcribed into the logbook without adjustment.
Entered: 5:43:37
